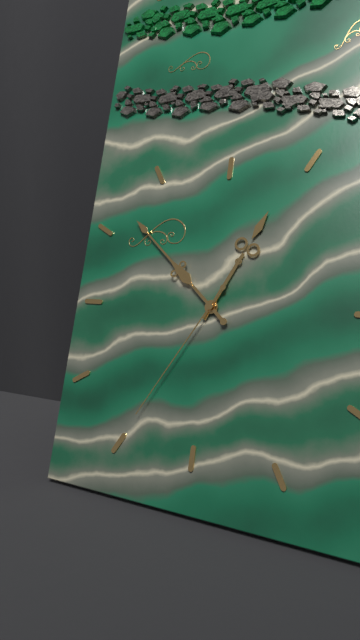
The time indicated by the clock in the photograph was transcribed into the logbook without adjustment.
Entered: 12:52:35
